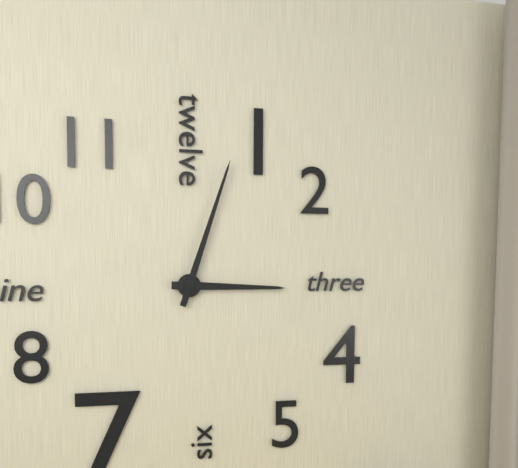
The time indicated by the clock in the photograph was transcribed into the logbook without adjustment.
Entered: 3:03
